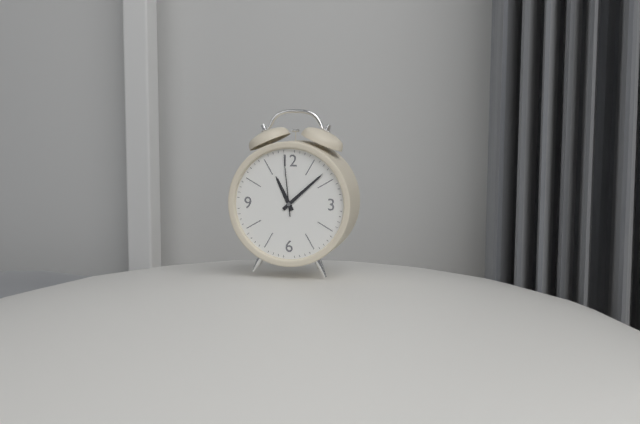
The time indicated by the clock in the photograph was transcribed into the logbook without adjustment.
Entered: 11:08:59
